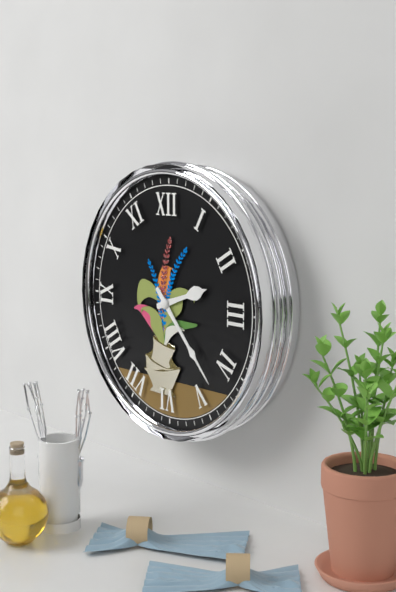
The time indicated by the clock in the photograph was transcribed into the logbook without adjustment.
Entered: 2:23
